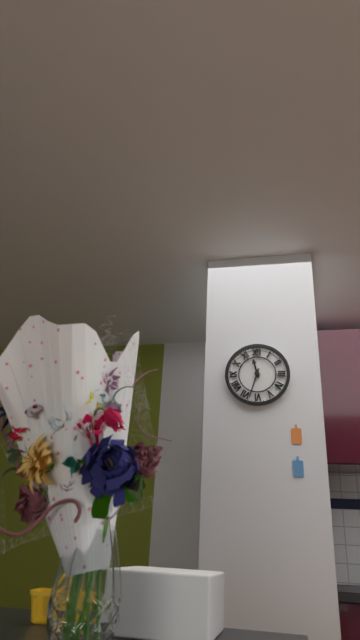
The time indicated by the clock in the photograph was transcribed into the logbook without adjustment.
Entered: 11:33
